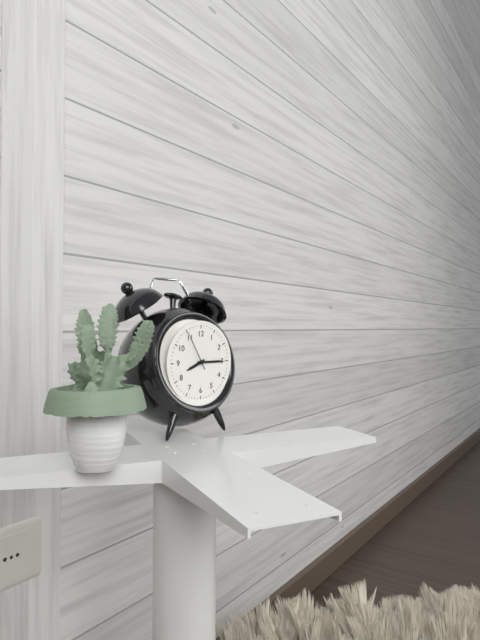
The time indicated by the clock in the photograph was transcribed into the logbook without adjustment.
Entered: 8:15
